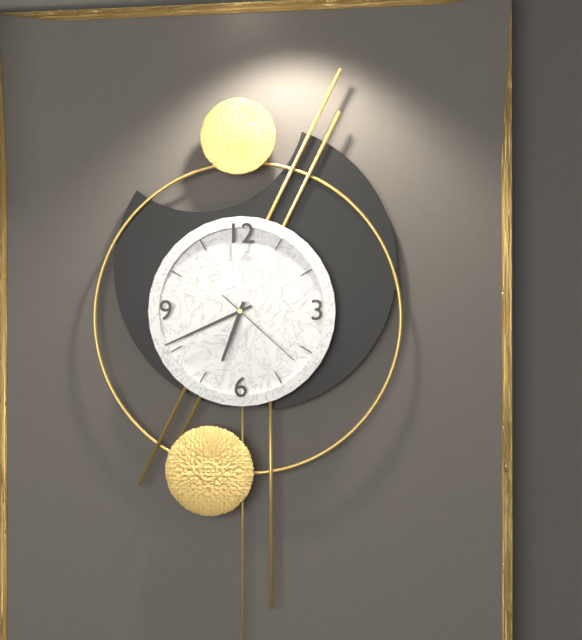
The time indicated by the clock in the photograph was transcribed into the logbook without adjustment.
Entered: 6:41:22
